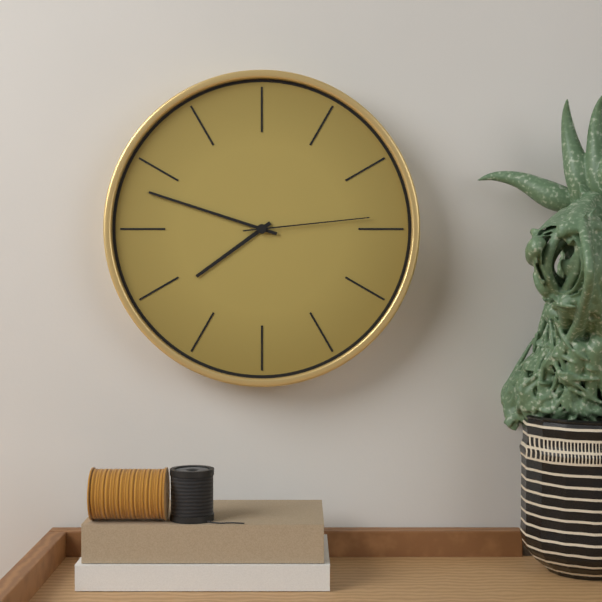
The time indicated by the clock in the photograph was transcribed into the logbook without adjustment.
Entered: 7:48:14
